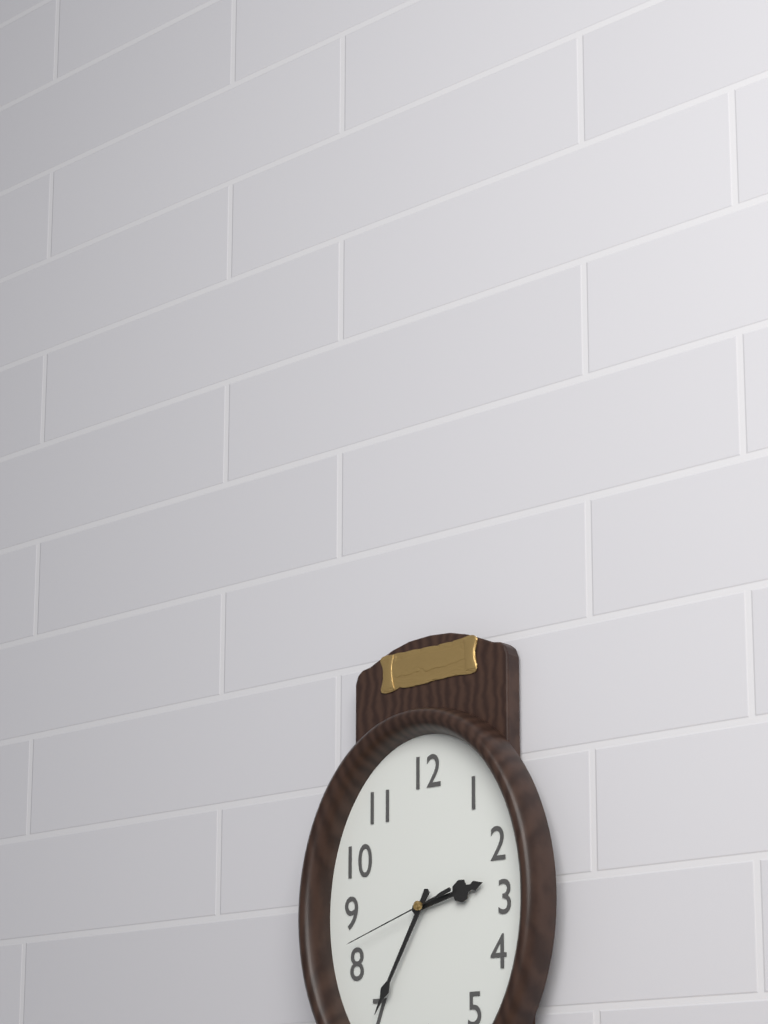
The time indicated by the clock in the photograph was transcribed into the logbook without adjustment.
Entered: 2:35:42
